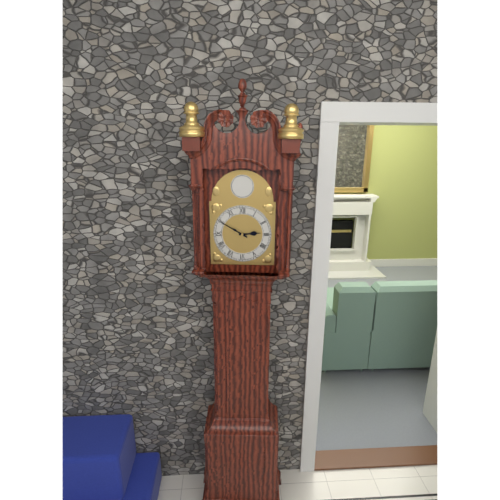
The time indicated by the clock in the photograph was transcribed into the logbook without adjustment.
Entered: 2:50
